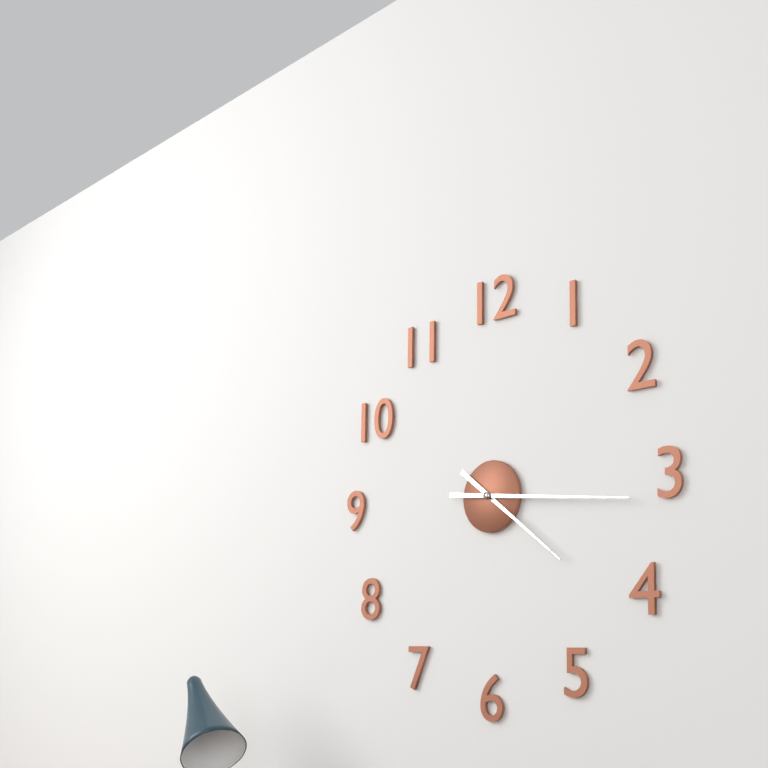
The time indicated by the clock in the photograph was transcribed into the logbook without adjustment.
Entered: 4:16
